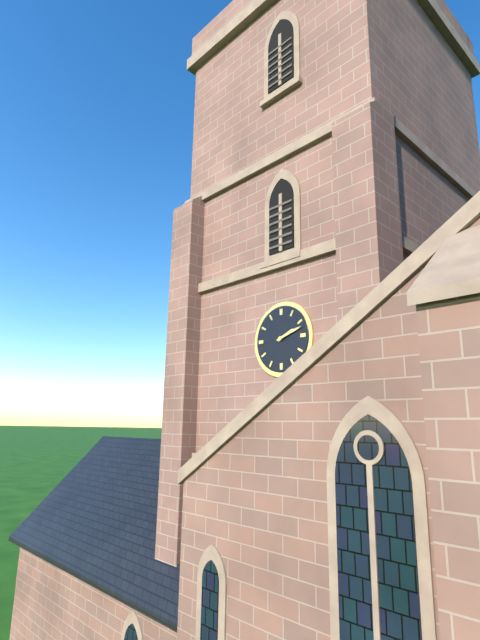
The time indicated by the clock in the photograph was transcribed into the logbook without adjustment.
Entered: 2:12
